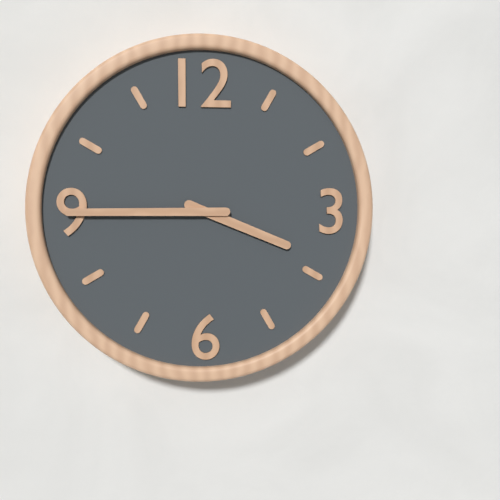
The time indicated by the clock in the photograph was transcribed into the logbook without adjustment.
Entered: 3:45
